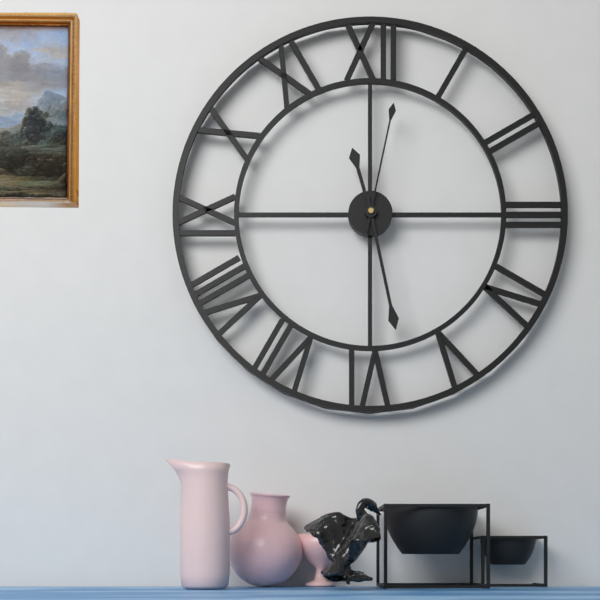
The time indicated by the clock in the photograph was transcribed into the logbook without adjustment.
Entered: 11:28:02
